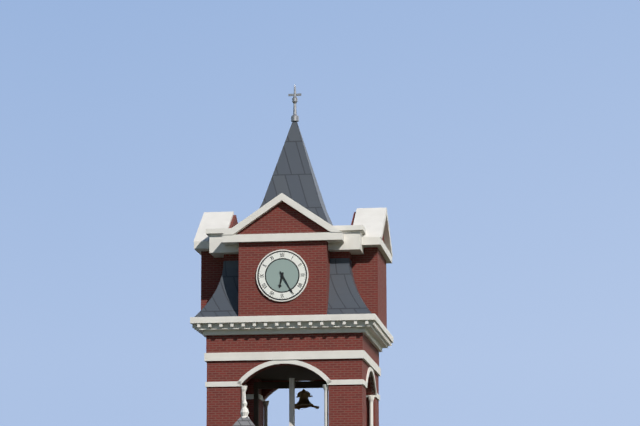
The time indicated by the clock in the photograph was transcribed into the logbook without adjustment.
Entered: 6:25
